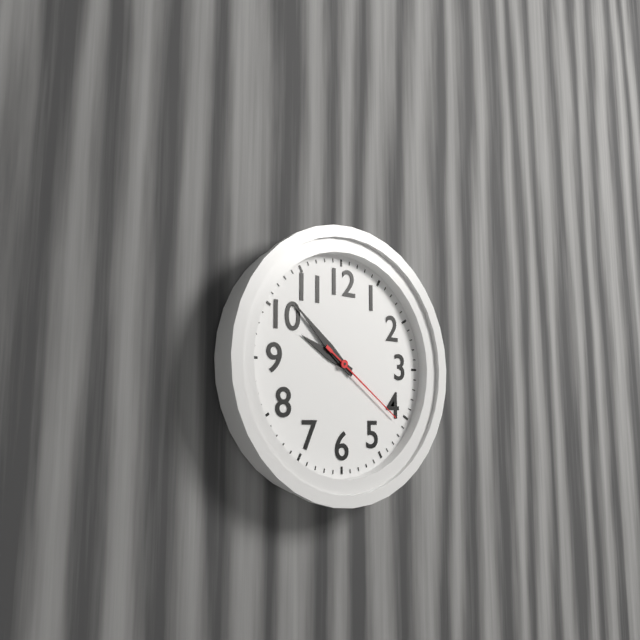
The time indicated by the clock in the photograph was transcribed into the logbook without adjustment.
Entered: 9:52:21
